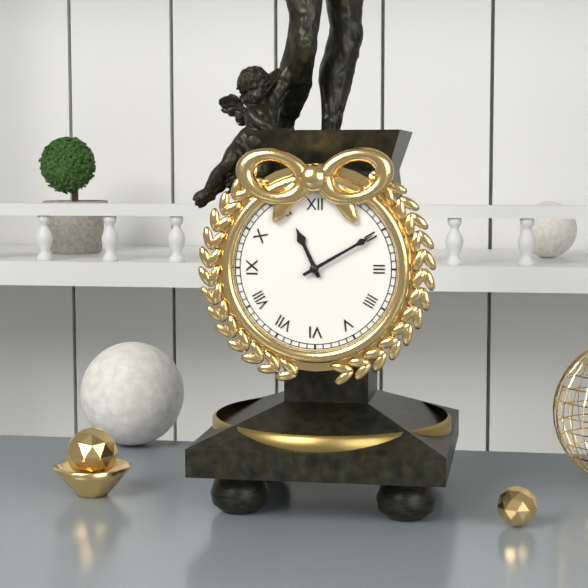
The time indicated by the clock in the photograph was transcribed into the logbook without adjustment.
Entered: 11:10
